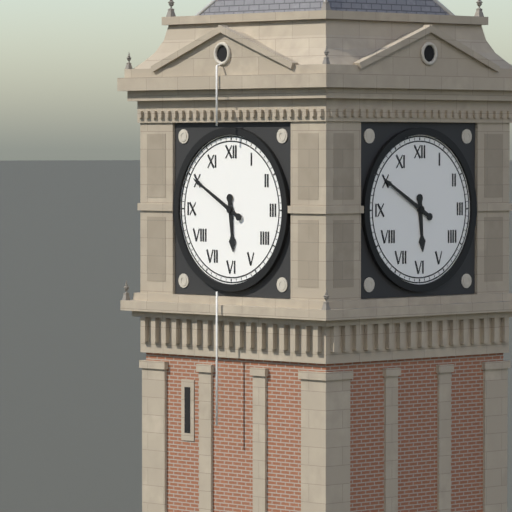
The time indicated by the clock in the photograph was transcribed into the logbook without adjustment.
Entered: 5:50
